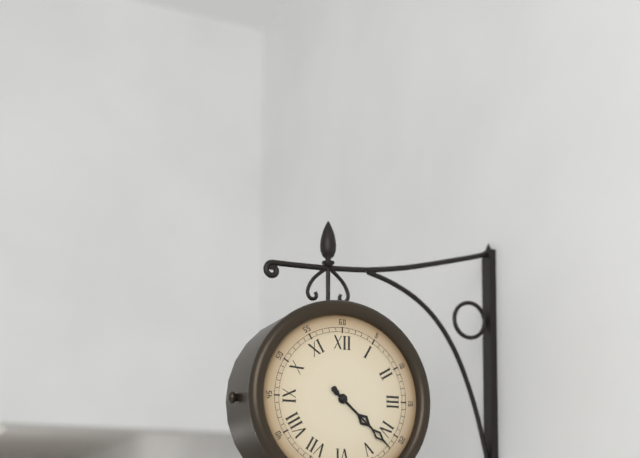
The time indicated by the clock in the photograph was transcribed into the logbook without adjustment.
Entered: 4:22
